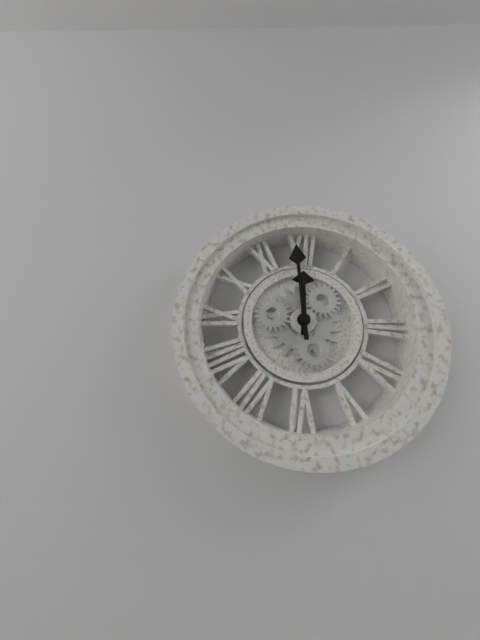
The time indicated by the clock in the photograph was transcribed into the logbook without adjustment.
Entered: 11:59
